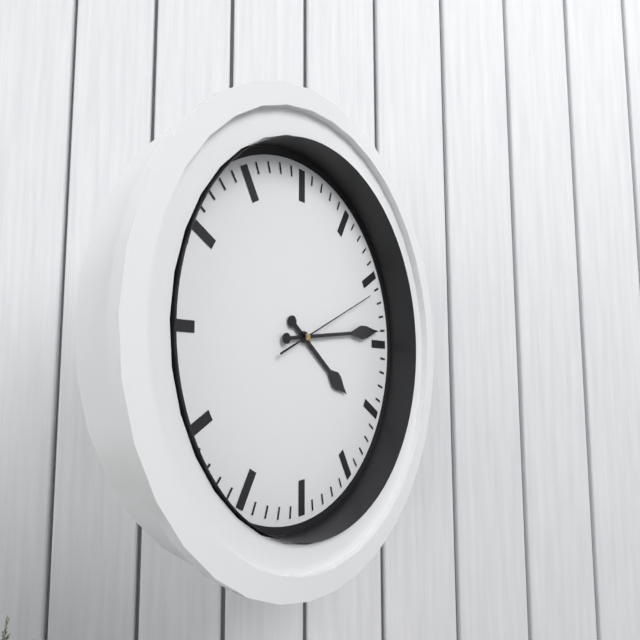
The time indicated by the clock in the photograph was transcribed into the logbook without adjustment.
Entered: 4:14:11
